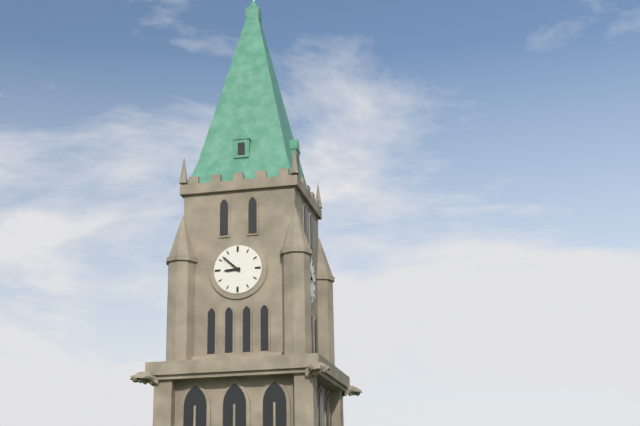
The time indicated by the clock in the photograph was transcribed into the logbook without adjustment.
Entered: 8:52
